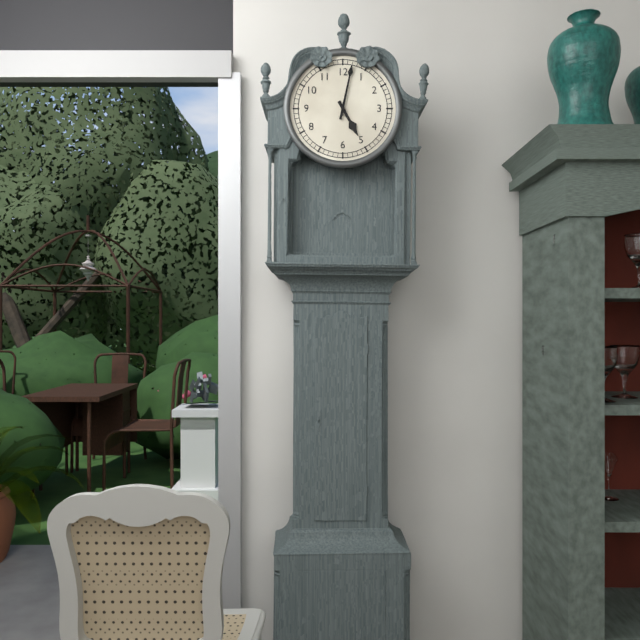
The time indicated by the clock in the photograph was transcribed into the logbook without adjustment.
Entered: 5:02
